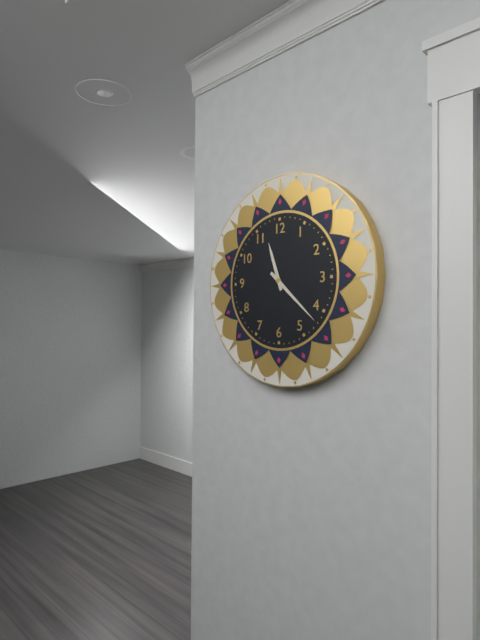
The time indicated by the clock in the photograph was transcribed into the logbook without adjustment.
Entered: 11:22
